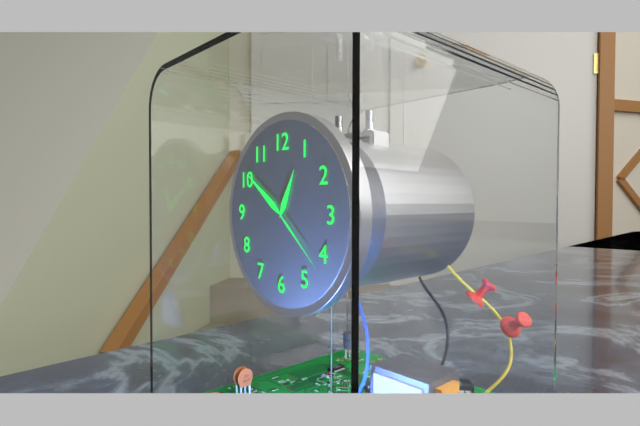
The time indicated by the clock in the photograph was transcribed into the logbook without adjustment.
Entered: 12:51:22
